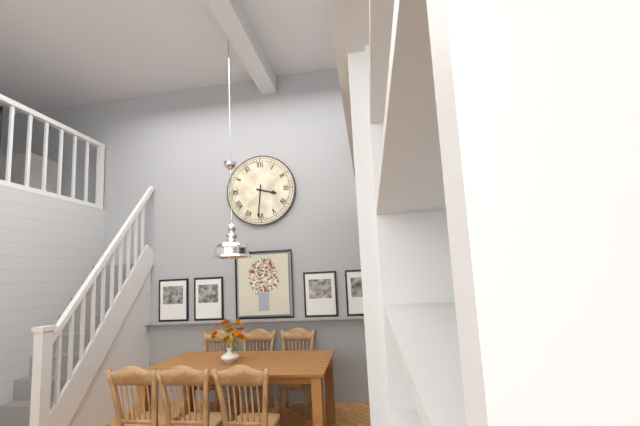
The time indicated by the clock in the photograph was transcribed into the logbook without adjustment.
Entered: 3:31
